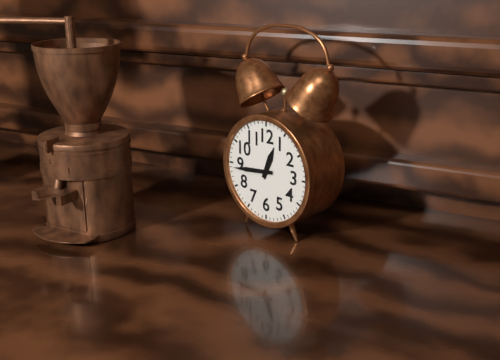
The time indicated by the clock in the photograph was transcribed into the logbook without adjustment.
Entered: 12:44
